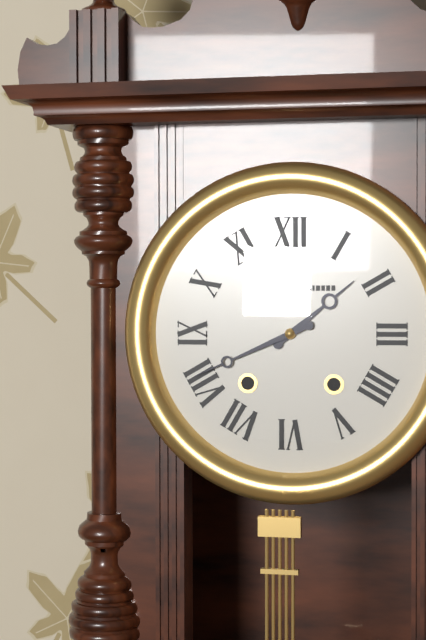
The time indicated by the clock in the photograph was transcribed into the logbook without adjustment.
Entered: 1:41
